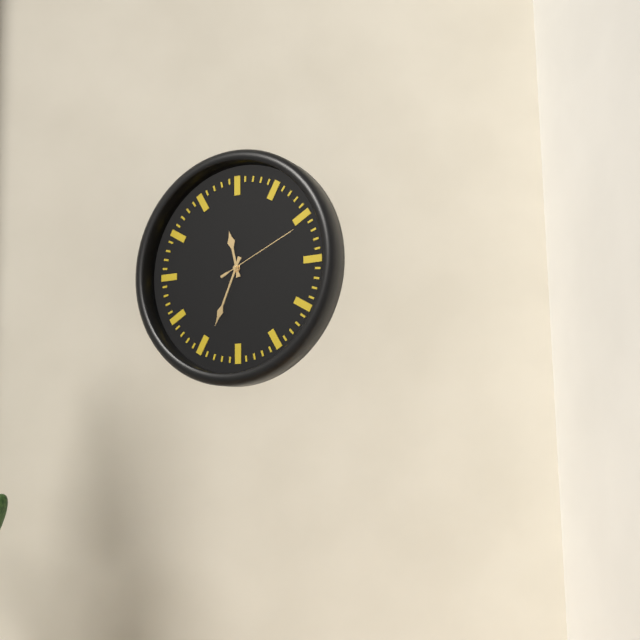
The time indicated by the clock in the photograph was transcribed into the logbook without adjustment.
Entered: 11:34:11
